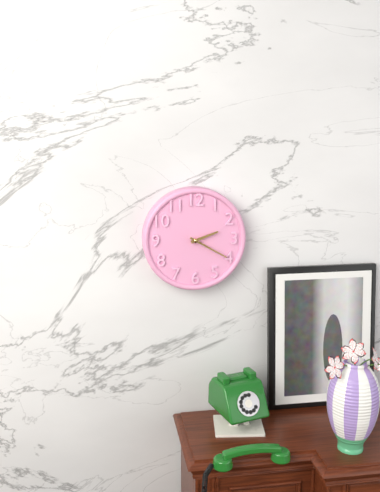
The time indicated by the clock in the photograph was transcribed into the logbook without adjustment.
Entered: 2:20
